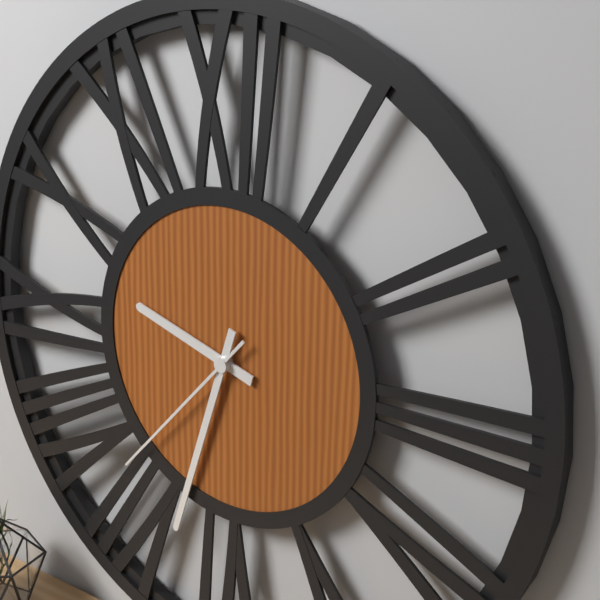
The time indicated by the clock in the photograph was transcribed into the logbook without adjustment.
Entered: 9:33:37
